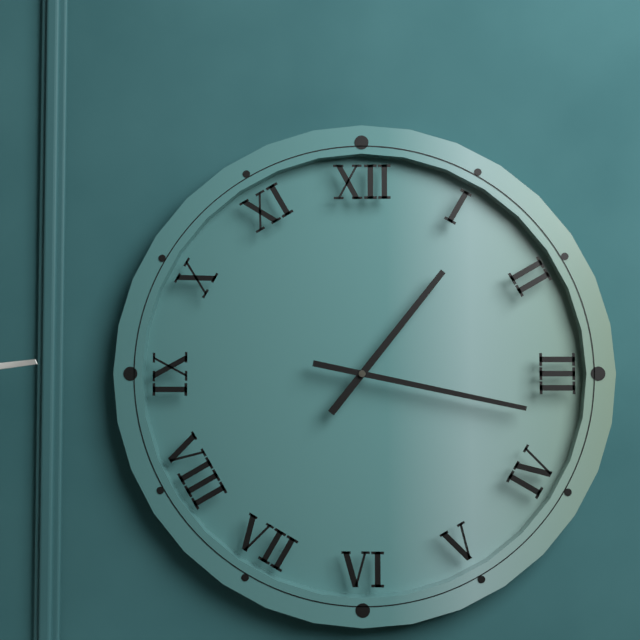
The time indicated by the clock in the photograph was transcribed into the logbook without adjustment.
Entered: 1:17
